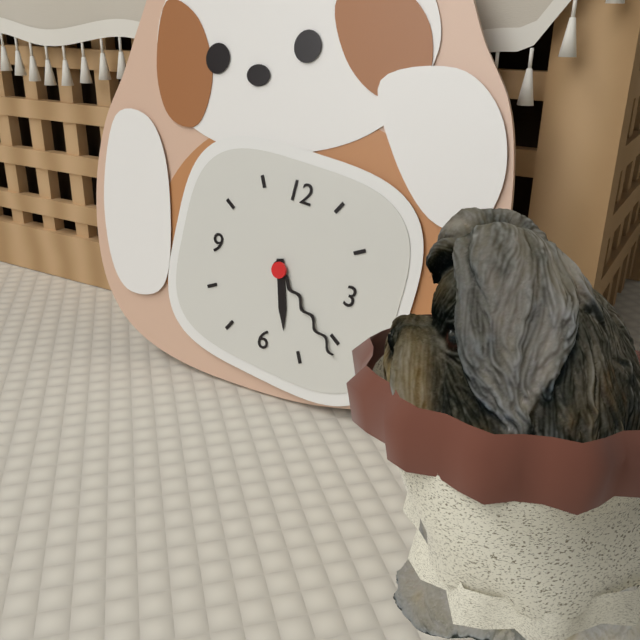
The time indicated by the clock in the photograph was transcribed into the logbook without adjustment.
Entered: 5:21
